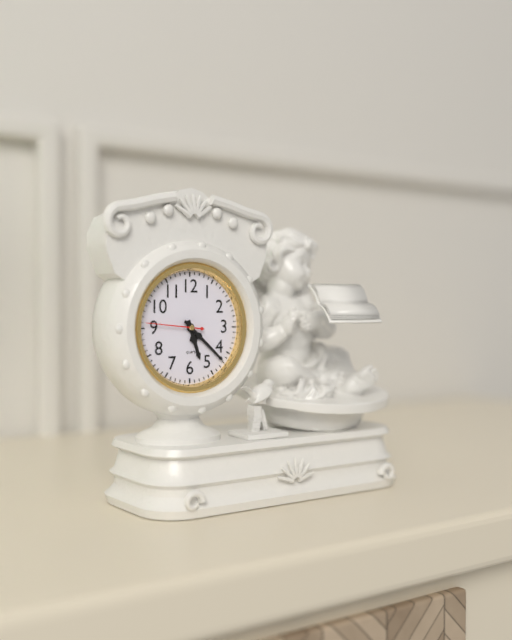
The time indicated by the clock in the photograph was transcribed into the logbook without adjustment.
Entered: 5:22:46
